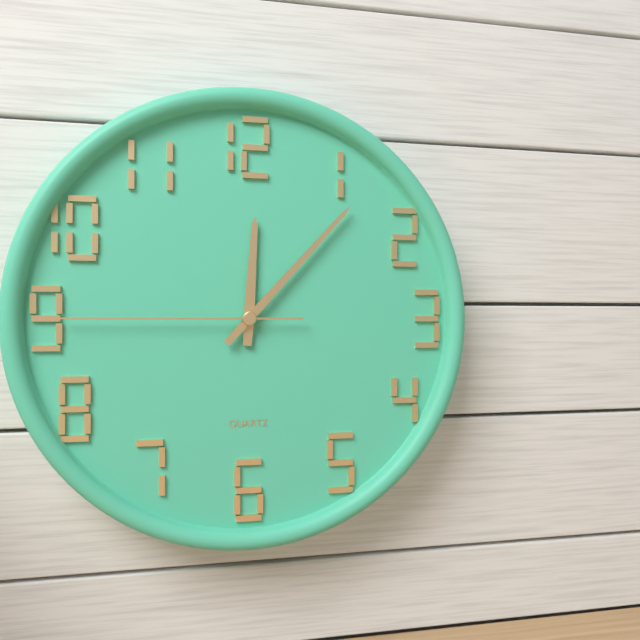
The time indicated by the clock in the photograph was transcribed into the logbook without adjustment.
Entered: 12:07:45
